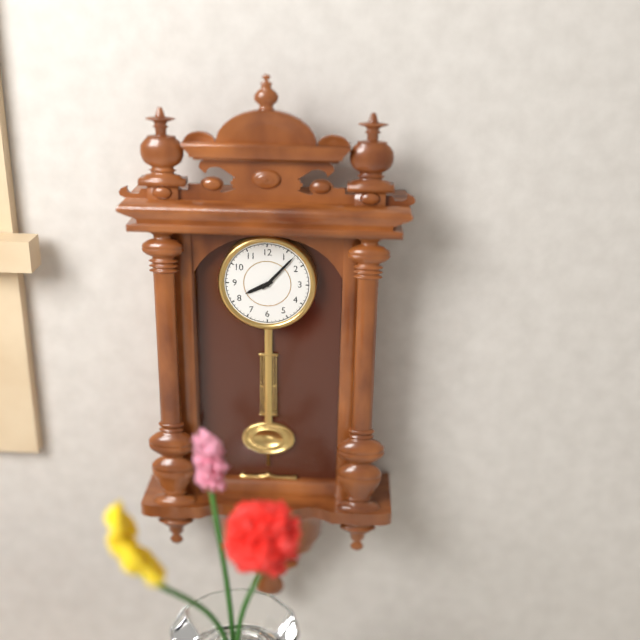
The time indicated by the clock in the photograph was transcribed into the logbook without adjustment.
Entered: 8:07
